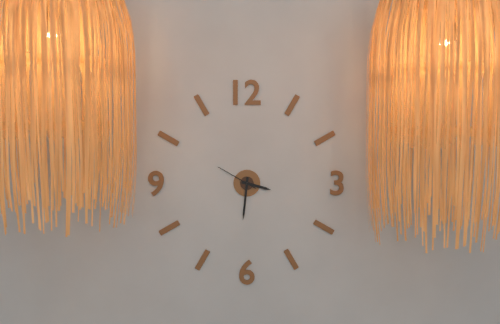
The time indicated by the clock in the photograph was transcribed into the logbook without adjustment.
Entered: 3:31
